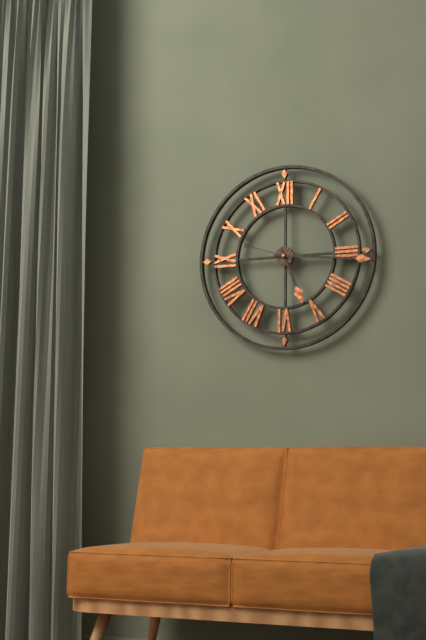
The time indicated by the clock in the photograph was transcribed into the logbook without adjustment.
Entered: 5:16:48
